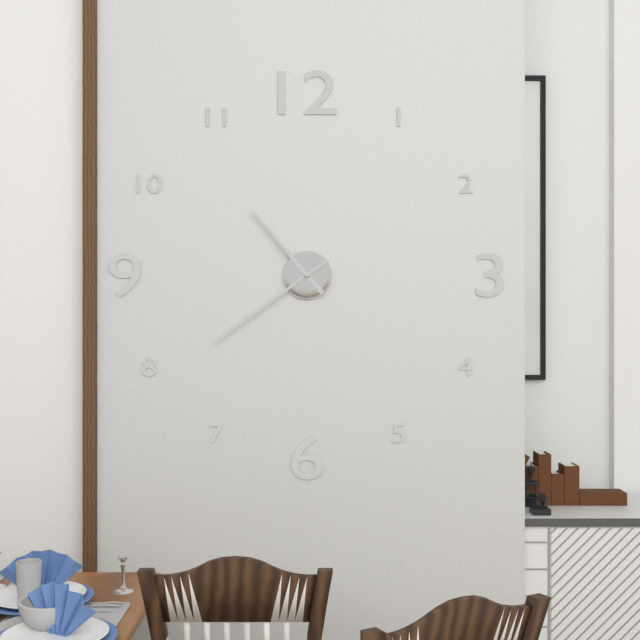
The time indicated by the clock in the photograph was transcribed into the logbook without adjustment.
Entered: 10:39
